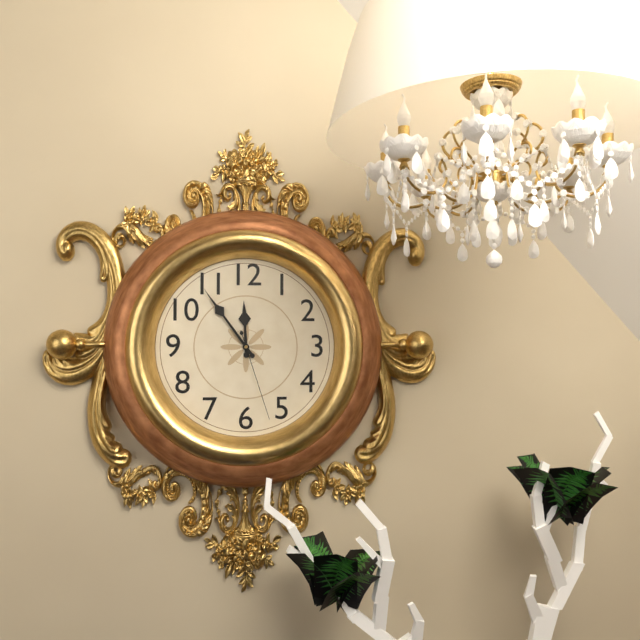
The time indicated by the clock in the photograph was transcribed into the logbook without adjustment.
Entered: 11:54:27
